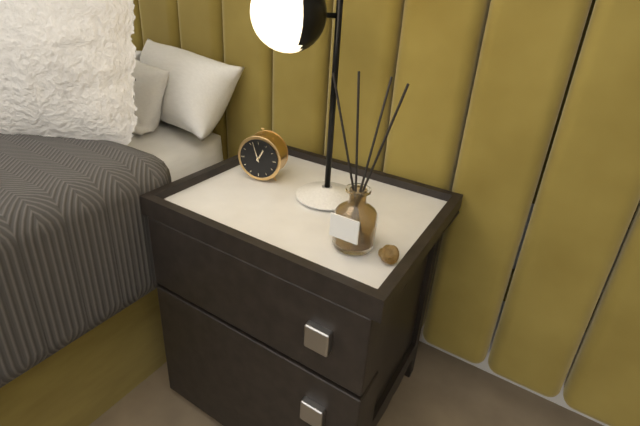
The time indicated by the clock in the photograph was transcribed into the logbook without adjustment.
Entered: 12:57
